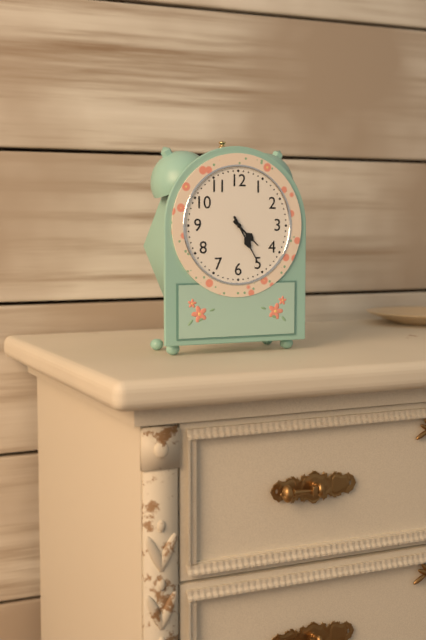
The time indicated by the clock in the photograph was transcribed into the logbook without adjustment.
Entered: 4:25
